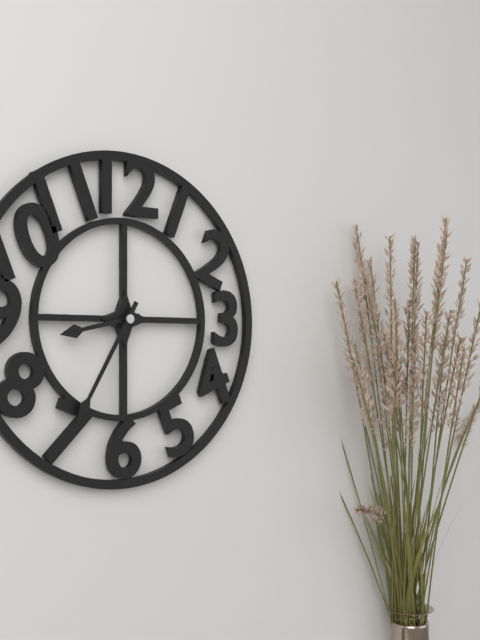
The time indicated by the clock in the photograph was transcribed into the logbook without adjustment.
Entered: 8:35
